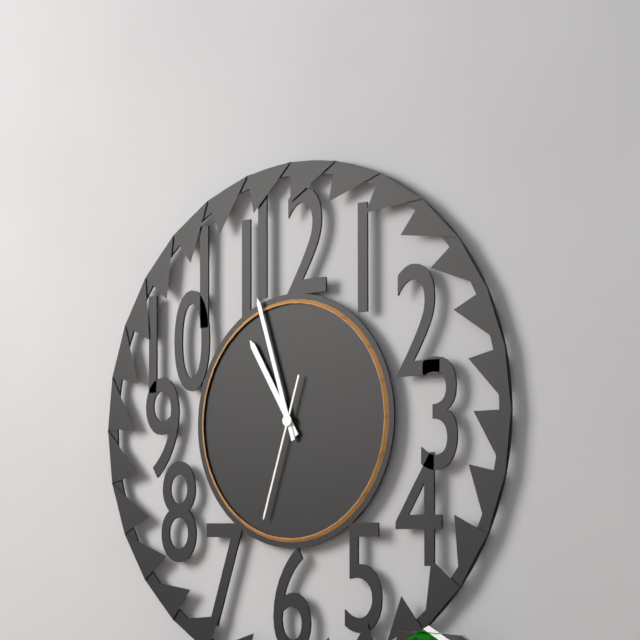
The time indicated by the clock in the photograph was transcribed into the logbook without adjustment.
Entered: 10:57:33
